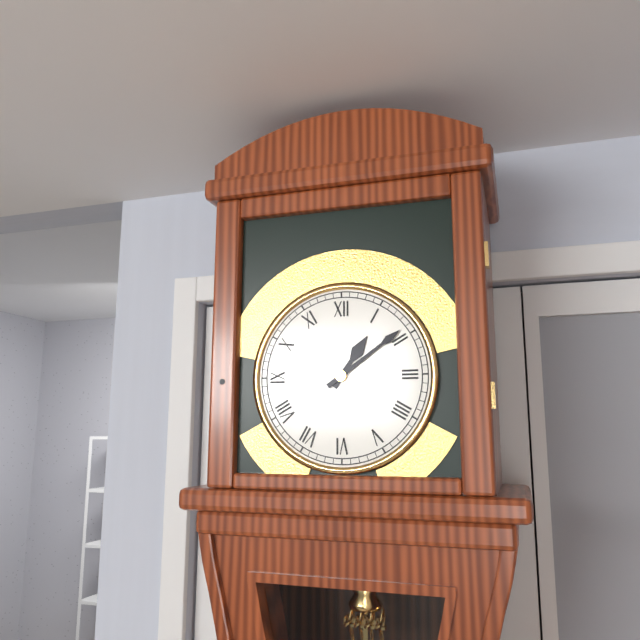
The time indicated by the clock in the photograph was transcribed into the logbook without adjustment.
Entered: 1:09
